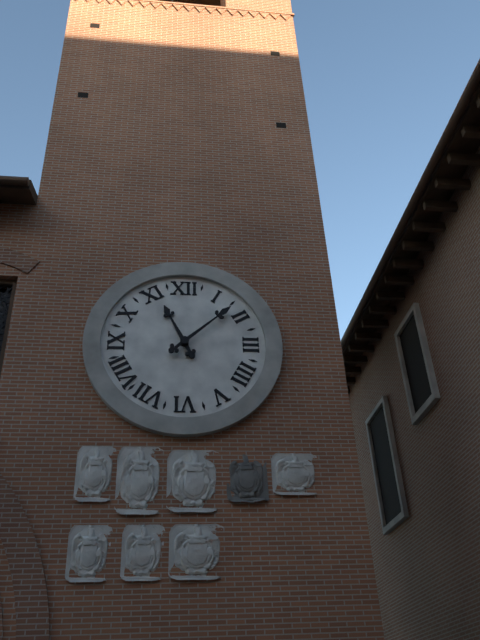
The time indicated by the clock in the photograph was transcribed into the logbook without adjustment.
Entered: 11:08
